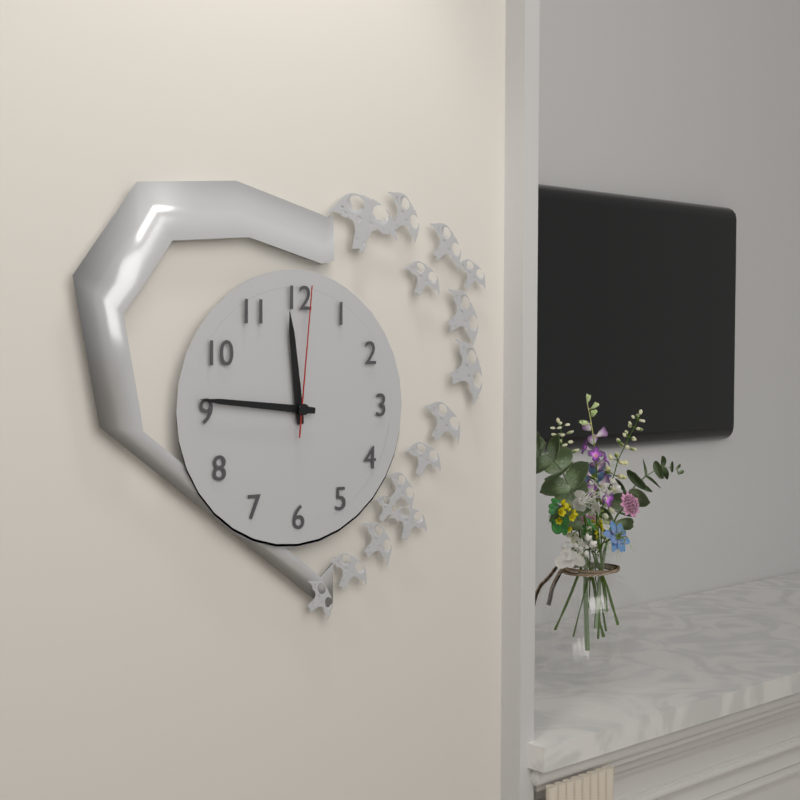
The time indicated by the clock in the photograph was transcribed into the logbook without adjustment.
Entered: 11:46:01
